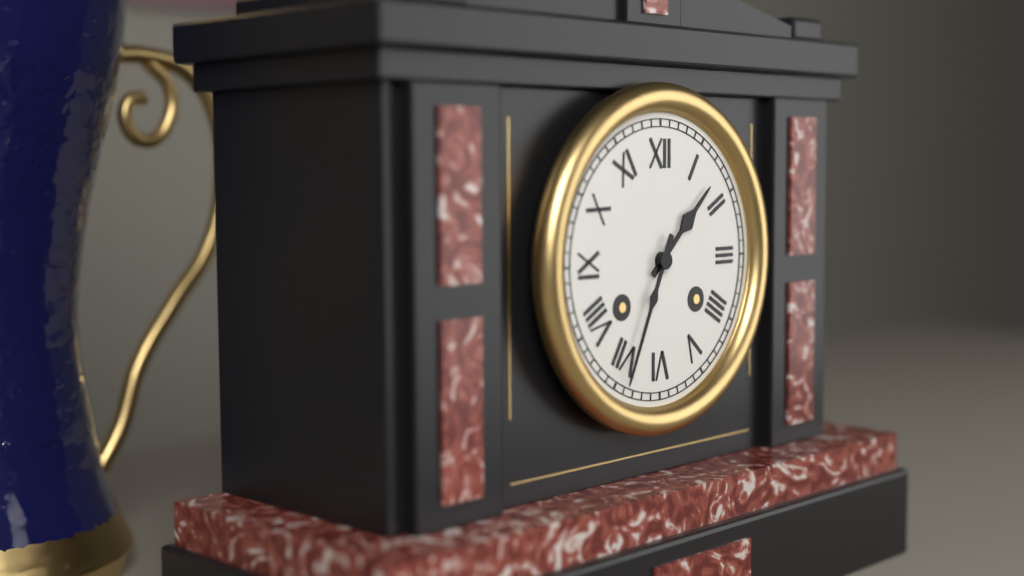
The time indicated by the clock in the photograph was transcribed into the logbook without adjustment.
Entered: 1:34
